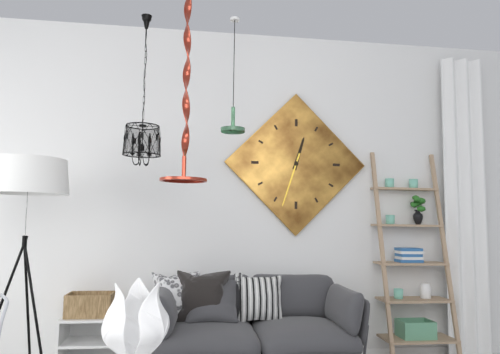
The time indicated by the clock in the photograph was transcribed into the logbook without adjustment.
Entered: 12:33
